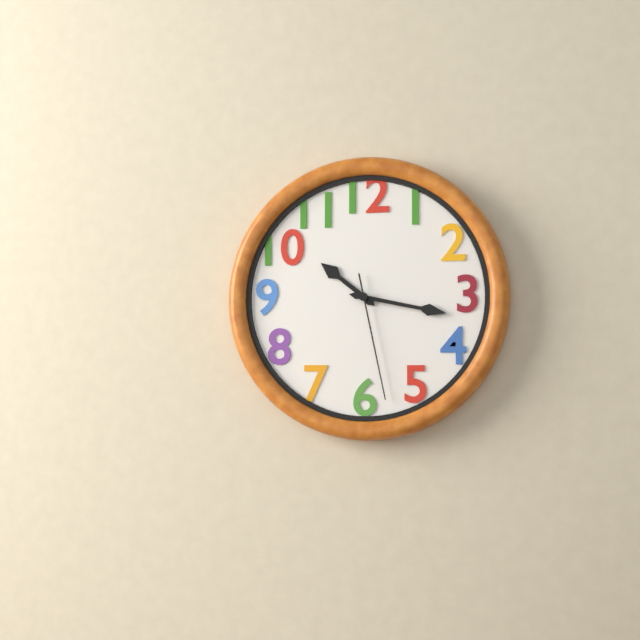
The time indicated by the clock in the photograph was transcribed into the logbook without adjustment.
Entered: 10:17:28
